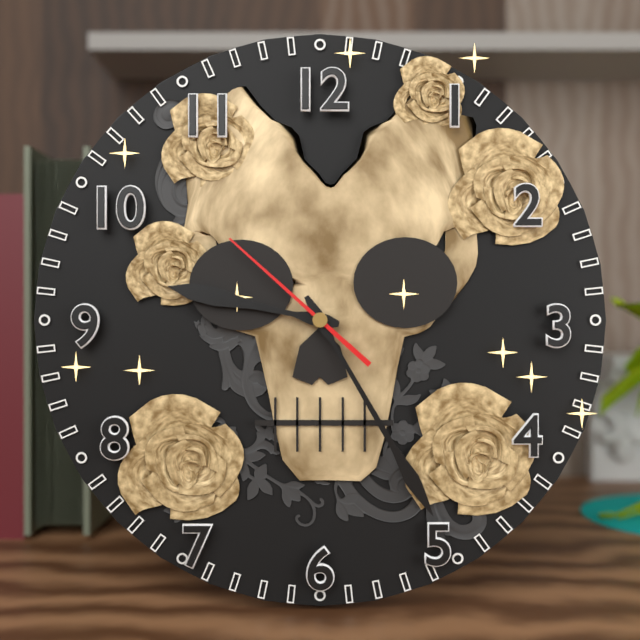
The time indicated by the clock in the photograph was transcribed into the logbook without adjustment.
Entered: 9:25:52
